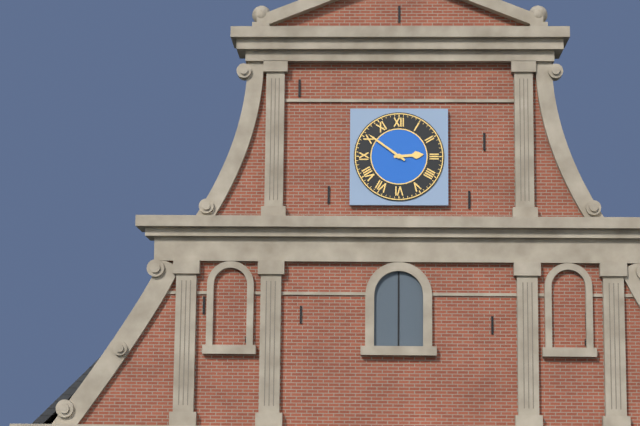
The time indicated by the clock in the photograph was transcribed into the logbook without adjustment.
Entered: 2:51
